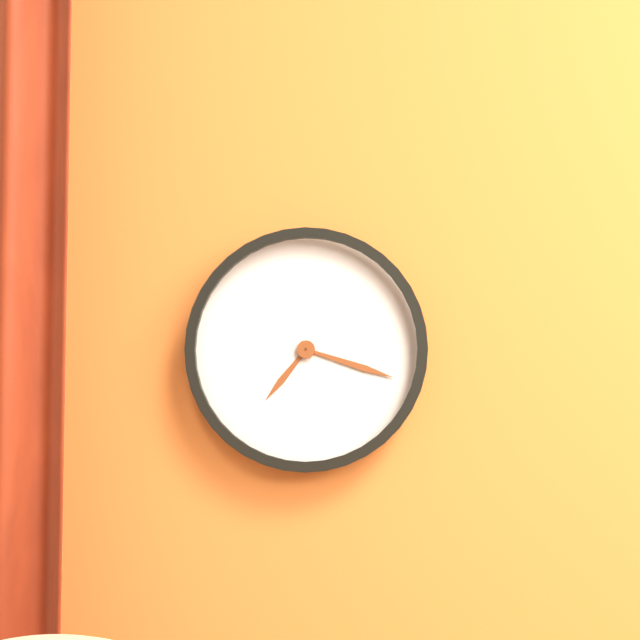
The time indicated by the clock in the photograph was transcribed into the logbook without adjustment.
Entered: 7:18
